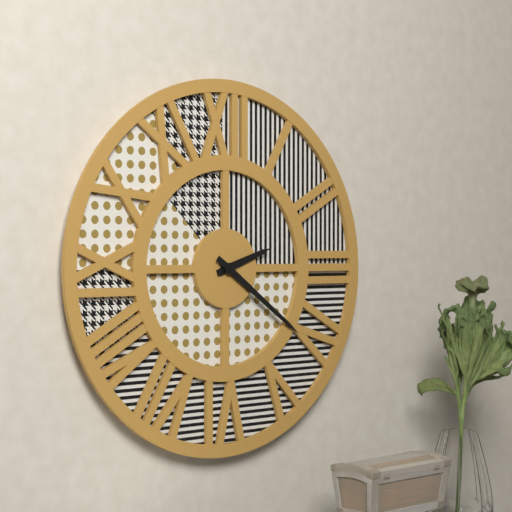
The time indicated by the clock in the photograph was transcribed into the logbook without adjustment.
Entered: 2:21
